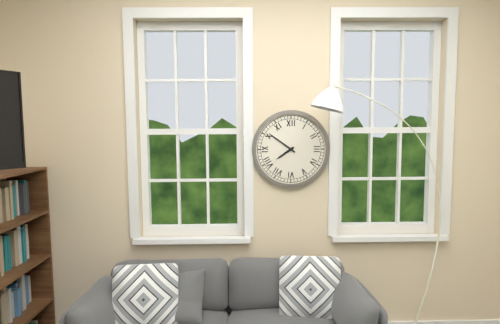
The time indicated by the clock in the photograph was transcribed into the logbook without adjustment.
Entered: 7:51
